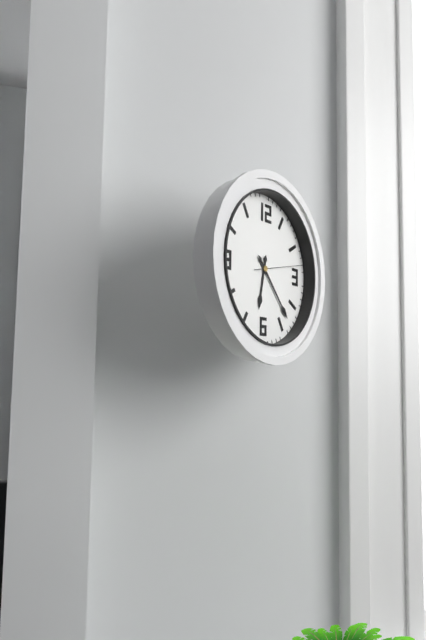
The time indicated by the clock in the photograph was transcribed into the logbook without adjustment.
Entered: 6:23
